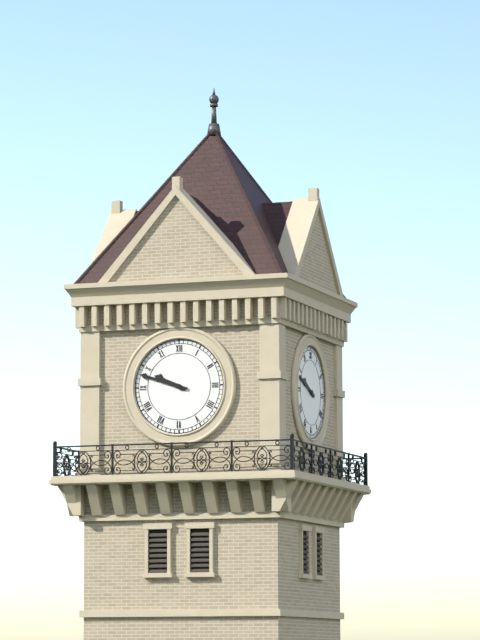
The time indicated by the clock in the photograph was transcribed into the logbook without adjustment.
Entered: 9:48
